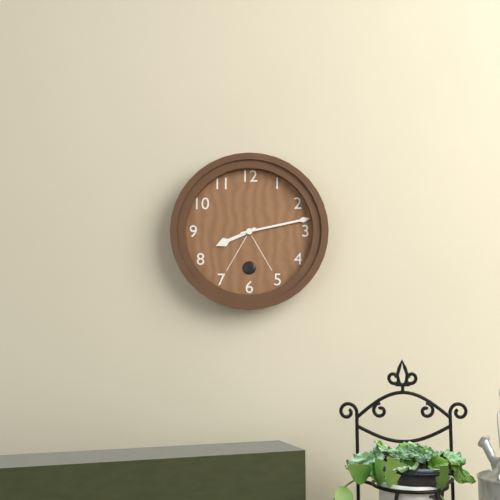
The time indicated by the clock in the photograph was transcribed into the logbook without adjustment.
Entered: 8:13
